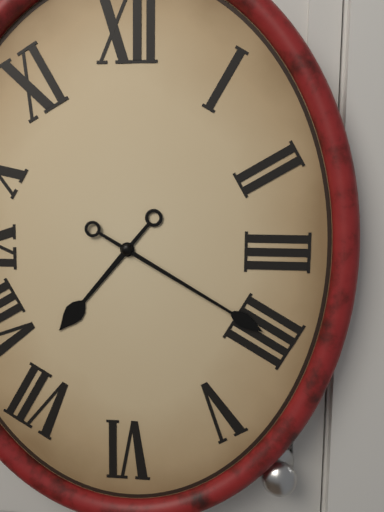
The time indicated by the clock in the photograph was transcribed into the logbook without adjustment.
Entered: 7:20
